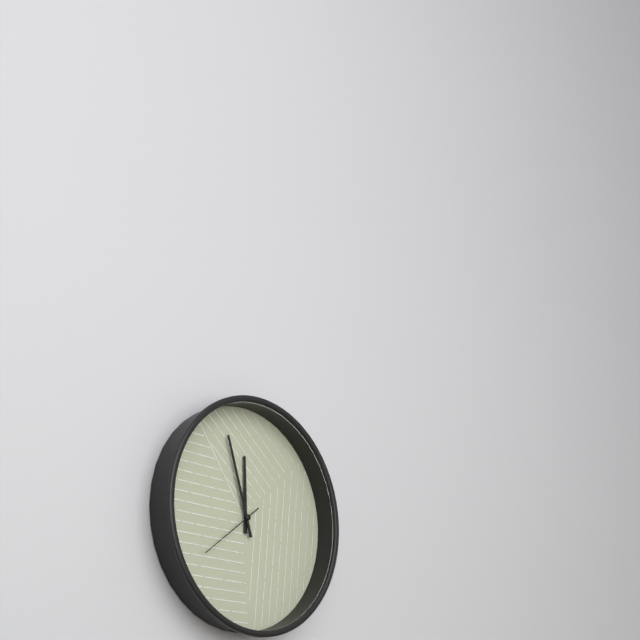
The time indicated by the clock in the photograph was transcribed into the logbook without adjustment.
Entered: 11:57:39
